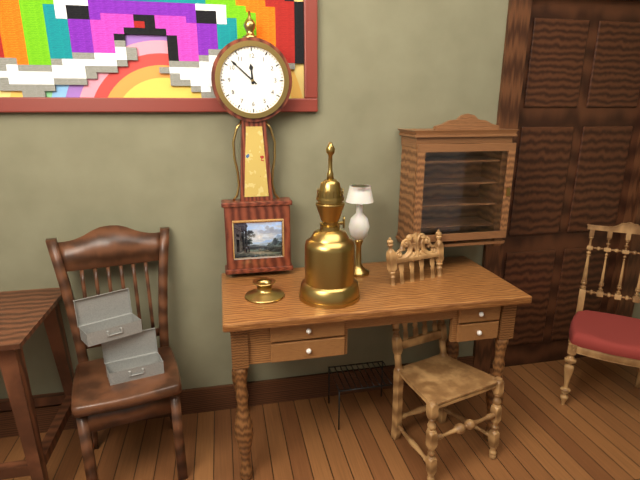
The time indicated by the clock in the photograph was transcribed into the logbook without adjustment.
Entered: 11:52
